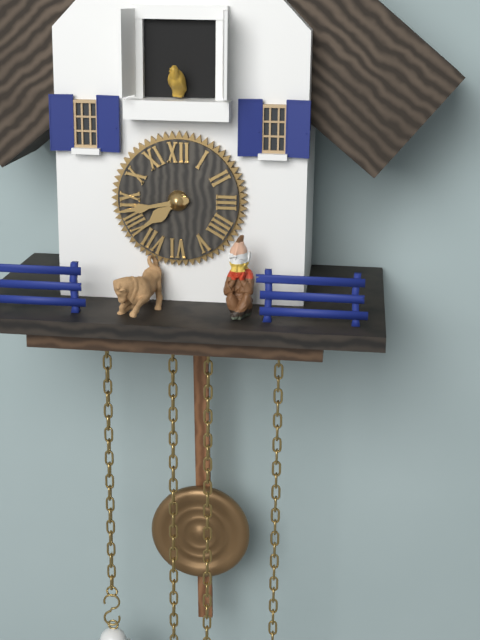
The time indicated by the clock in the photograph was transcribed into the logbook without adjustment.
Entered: 7:43
